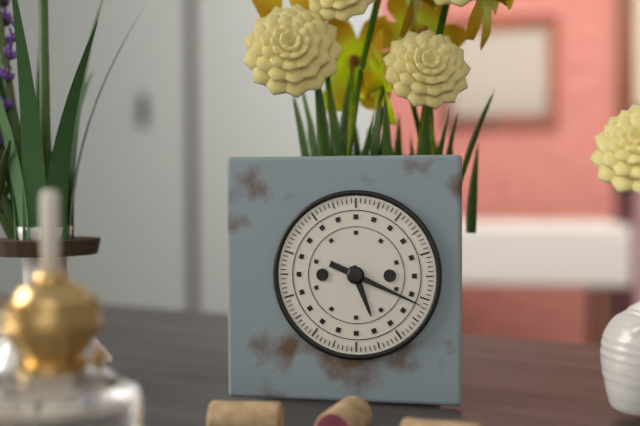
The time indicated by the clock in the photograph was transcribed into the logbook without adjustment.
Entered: 5:19
